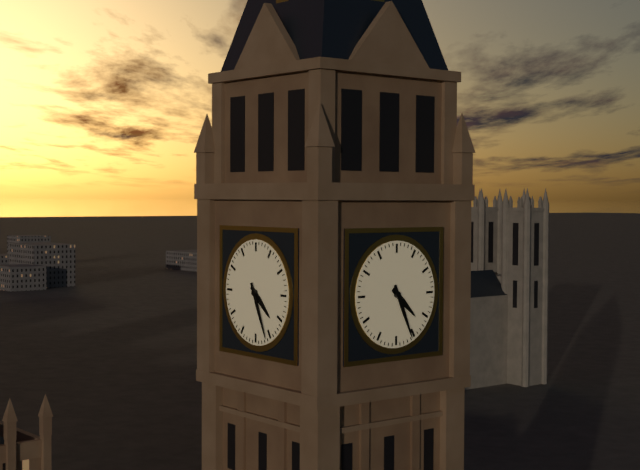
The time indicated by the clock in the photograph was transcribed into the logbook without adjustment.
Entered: 4:26
